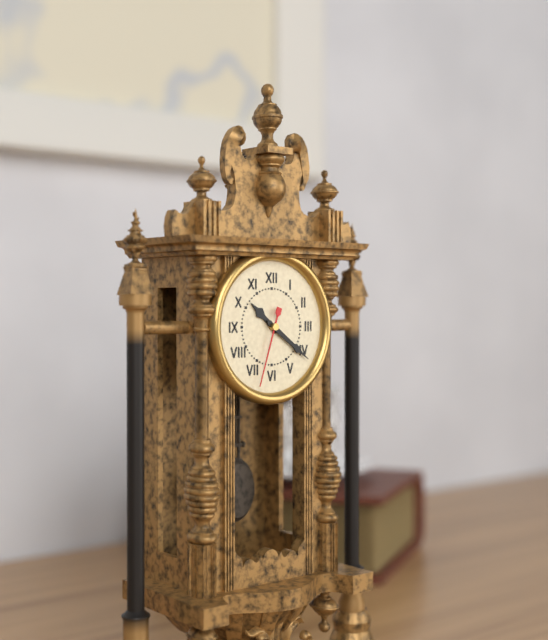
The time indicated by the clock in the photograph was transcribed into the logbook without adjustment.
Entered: 10:21:33
